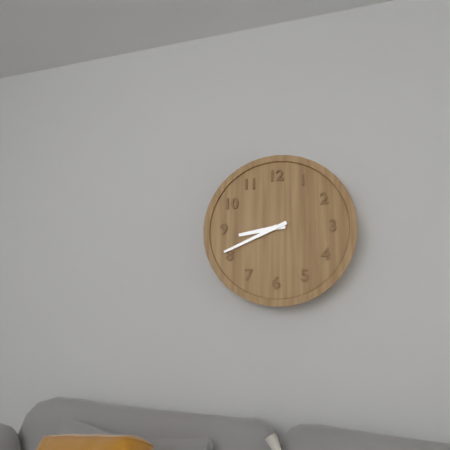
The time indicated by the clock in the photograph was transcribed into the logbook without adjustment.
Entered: 8:41
